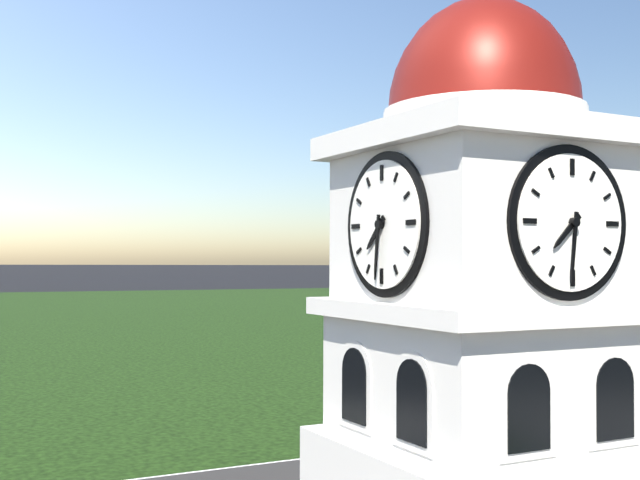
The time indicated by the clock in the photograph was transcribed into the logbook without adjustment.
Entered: 7:31
